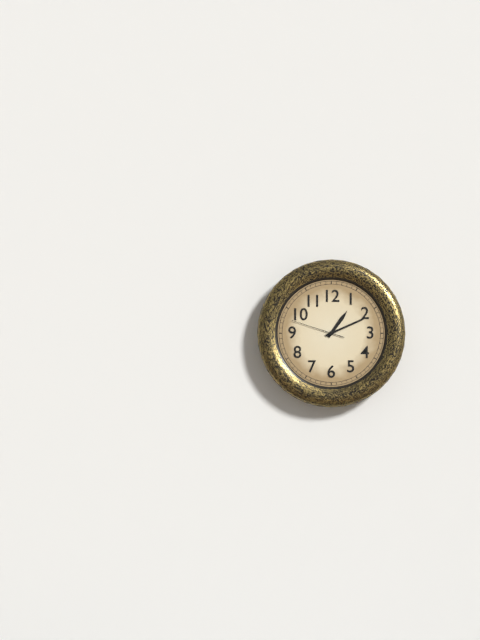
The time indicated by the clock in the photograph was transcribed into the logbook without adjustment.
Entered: 1:11:48
